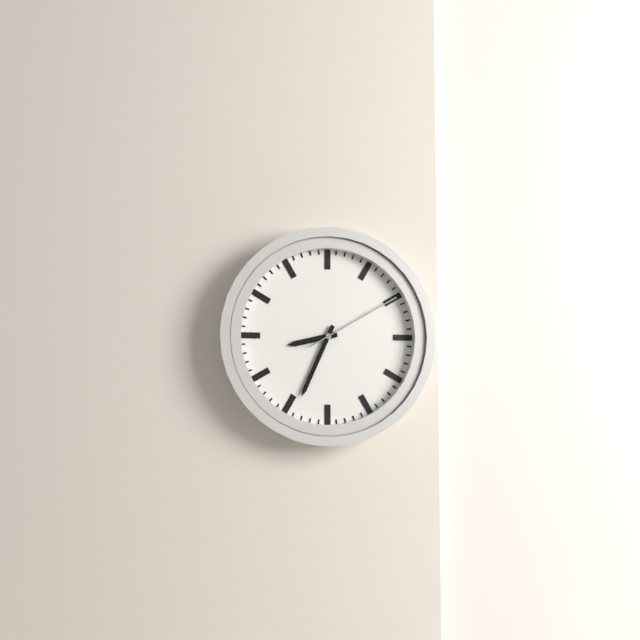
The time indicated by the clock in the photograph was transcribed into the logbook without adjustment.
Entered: 8:34:10
